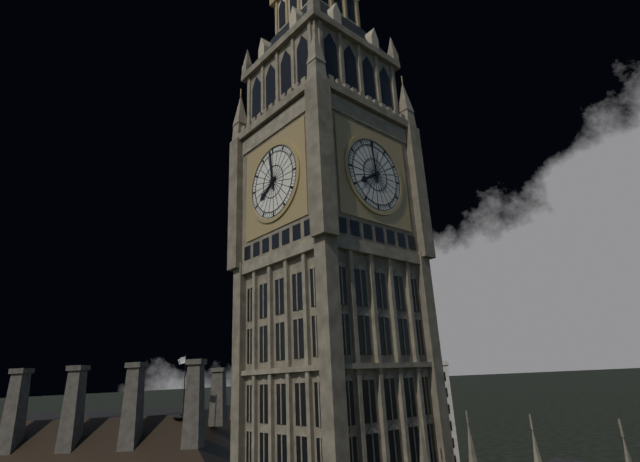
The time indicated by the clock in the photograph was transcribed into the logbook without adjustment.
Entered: 7:59
